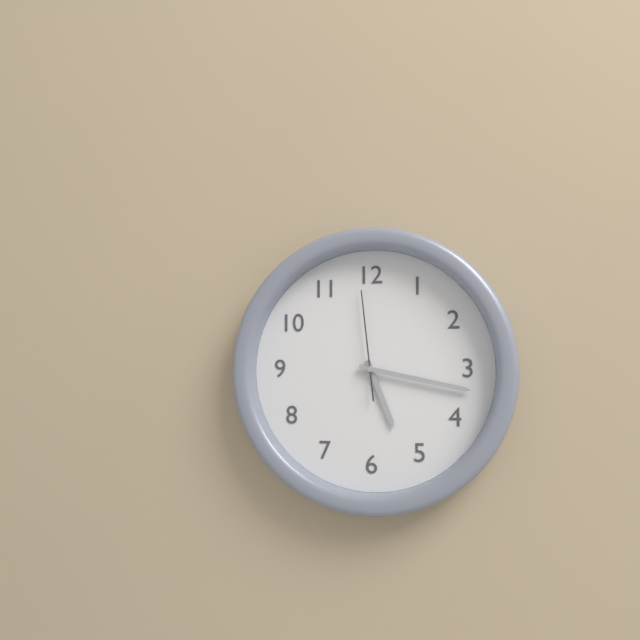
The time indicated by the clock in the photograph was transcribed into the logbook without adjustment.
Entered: 5:17:59
